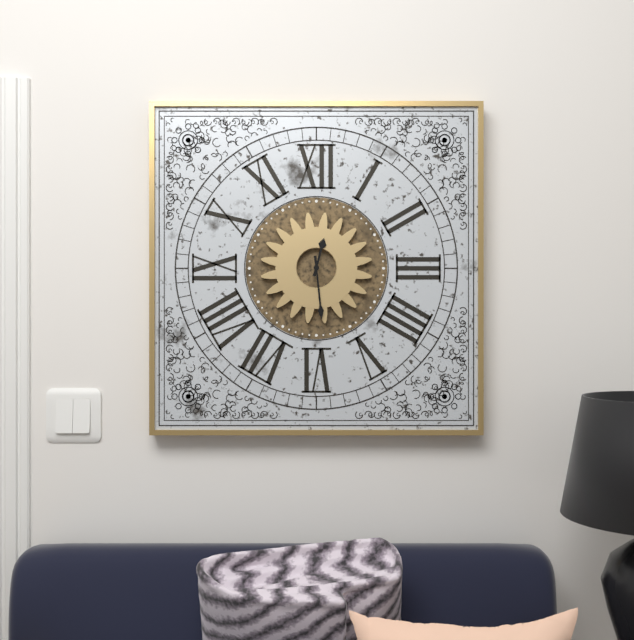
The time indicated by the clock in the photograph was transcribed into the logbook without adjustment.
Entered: 12:29
